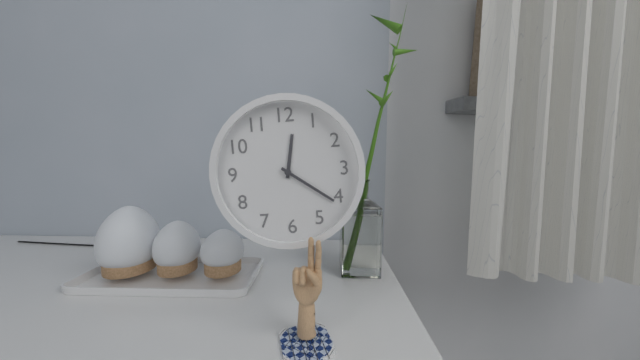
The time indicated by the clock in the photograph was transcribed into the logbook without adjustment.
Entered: 12:21
